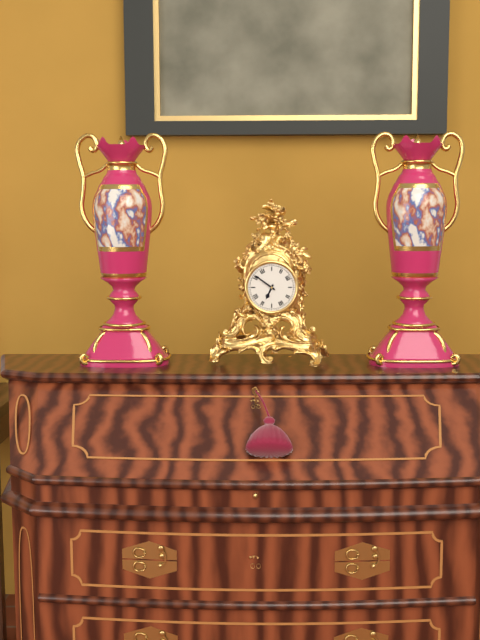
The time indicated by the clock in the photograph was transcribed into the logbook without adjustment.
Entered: 6:51
